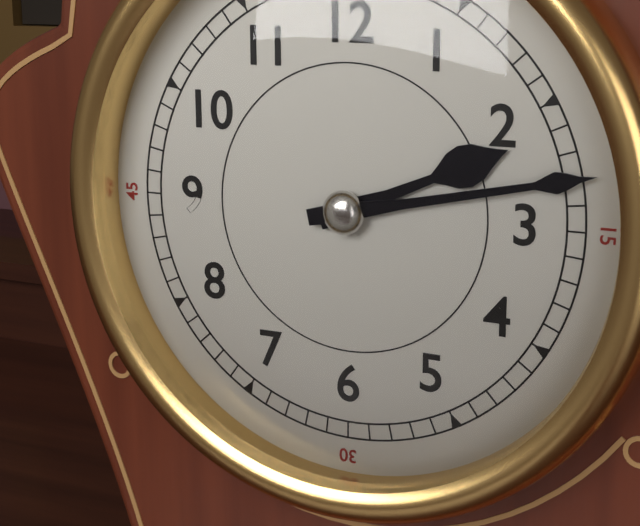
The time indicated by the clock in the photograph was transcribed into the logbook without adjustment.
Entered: 2:13
